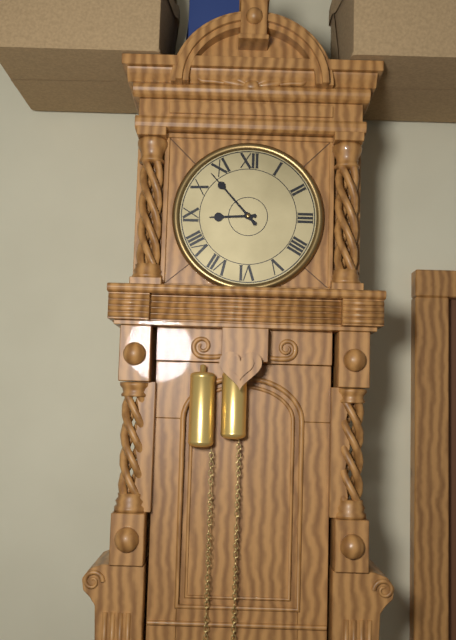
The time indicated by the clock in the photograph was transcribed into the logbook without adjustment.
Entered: 8:53
